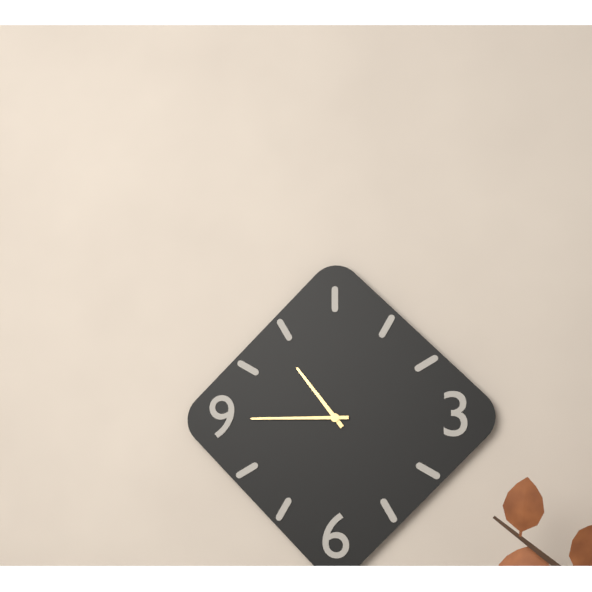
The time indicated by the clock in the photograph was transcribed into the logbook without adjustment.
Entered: 10:45
